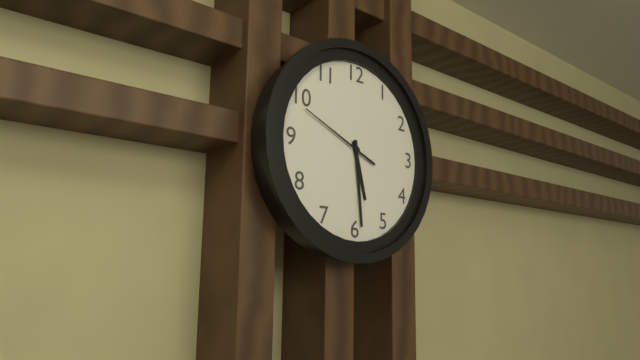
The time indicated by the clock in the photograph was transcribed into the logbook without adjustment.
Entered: 5:29:49
